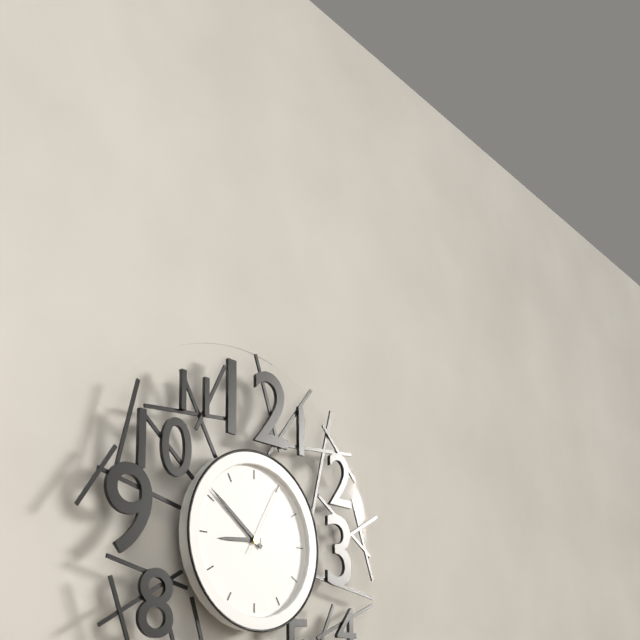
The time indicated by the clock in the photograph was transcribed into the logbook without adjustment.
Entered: 8:51:05
